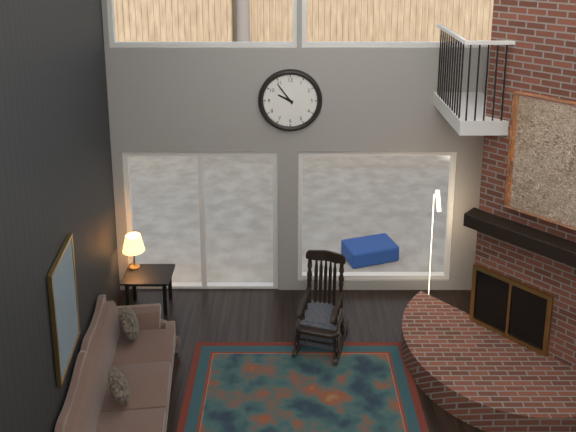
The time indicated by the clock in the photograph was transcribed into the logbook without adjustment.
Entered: 9:54
